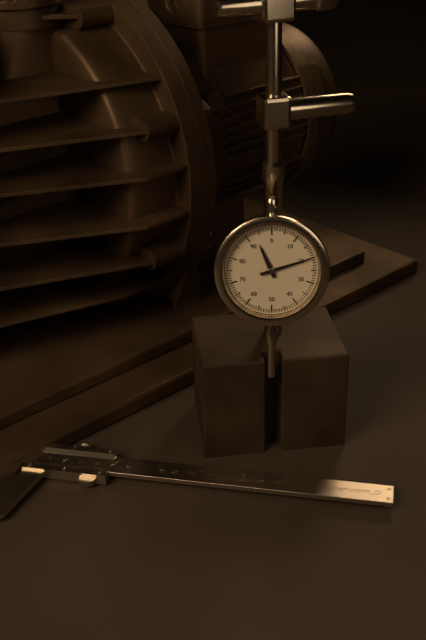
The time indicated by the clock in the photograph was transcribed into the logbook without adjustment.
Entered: 11:12
